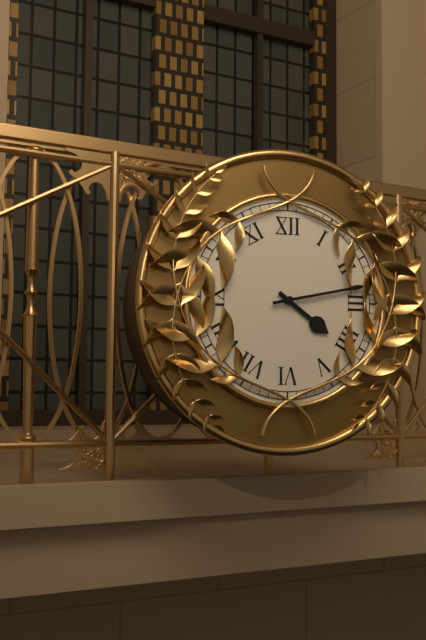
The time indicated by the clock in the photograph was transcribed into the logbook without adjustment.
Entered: 4:13
